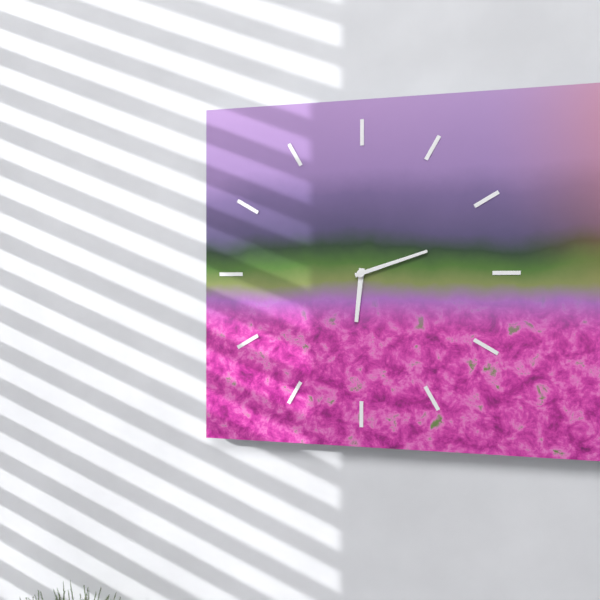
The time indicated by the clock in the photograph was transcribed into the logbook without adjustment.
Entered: 6:12
